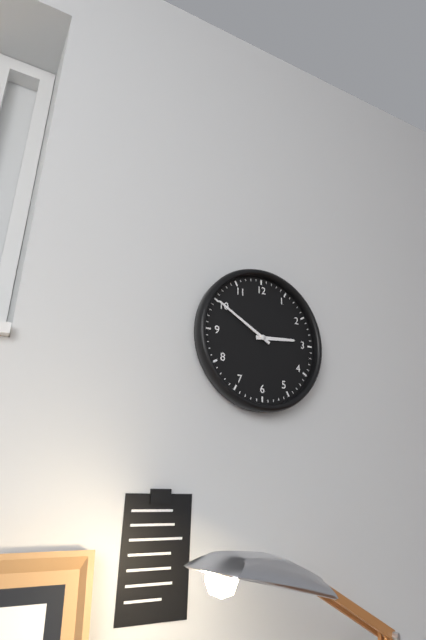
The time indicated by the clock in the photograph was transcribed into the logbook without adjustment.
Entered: 2:50
